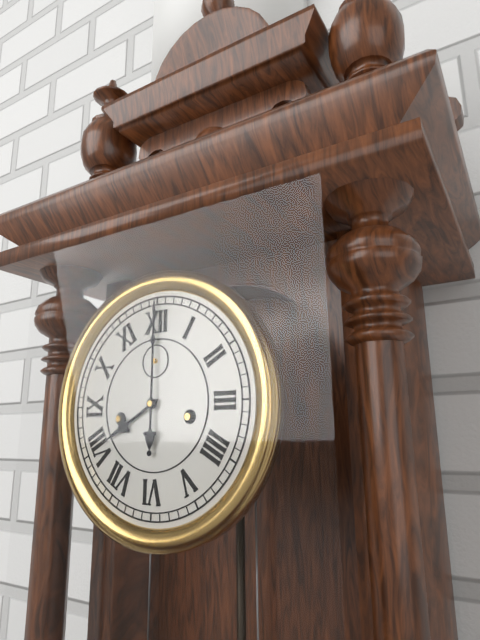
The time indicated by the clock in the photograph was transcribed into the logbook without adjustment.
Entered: 8:00
